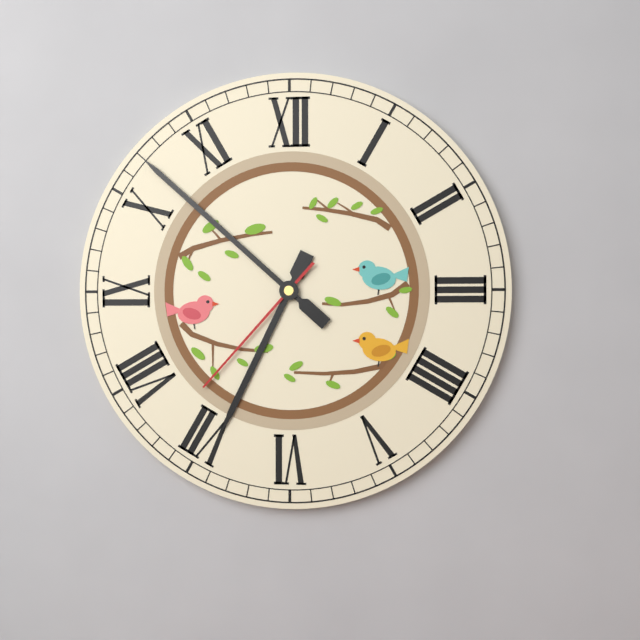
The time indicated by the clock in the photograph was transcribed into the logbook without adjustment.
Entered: 6:52:37
